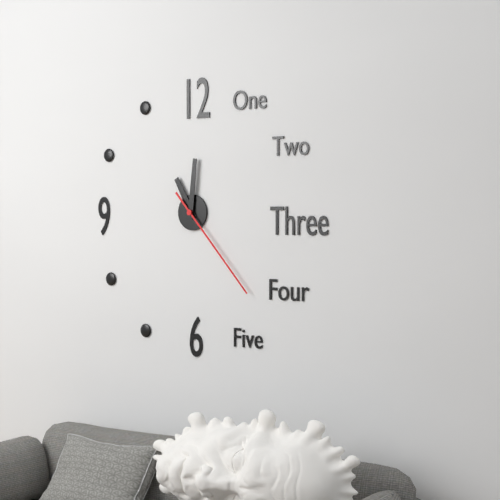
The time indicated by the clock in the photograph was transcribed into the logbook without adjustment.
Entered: 11:01:23
